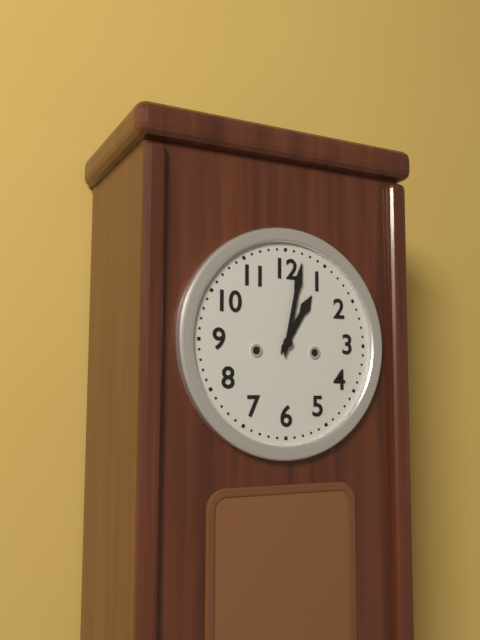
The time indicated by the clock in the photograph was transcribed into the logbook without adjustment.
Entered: 1:02
